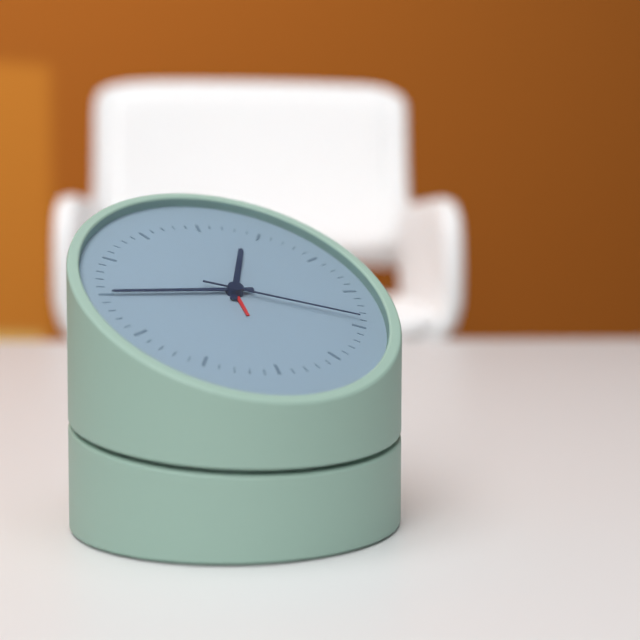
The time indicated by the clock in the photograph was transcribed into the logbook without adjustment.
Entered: 12:45:19
